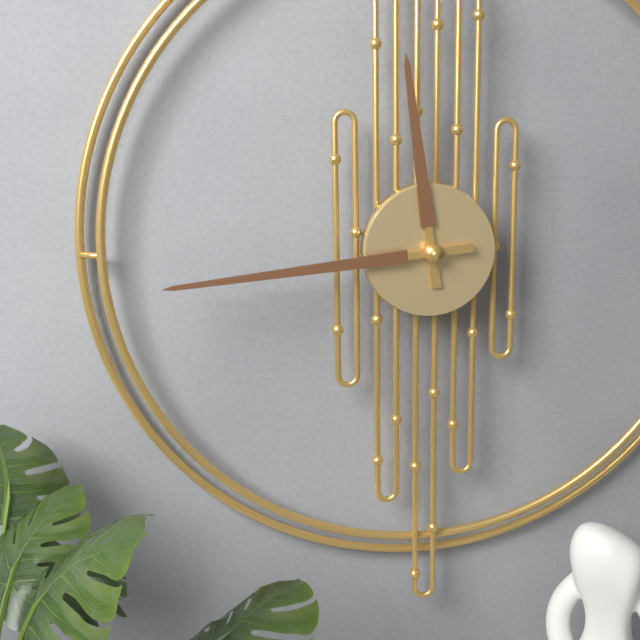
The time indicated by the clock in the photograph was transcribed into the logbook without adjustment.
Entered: 11:44
